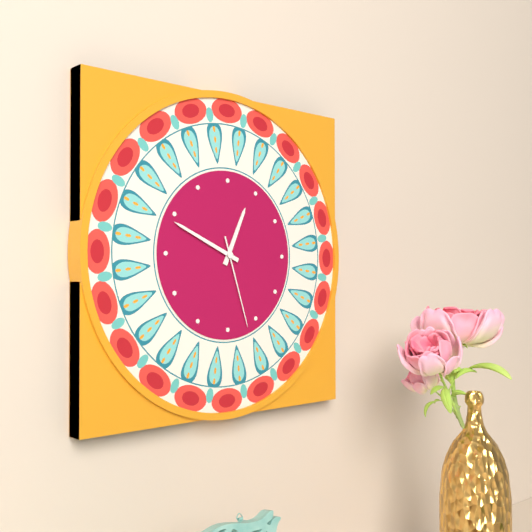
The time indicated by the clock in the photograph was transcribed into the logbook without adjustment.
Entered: 12:49:27
